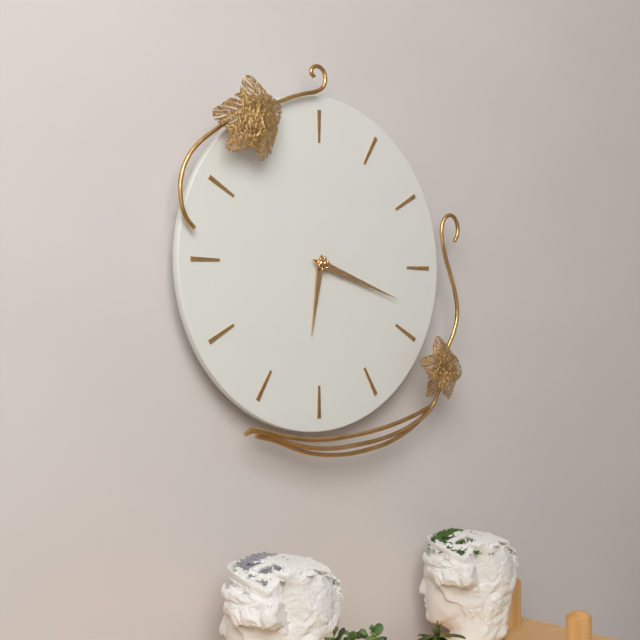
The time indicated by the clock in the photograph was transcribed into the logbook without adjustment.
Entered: 6:18
